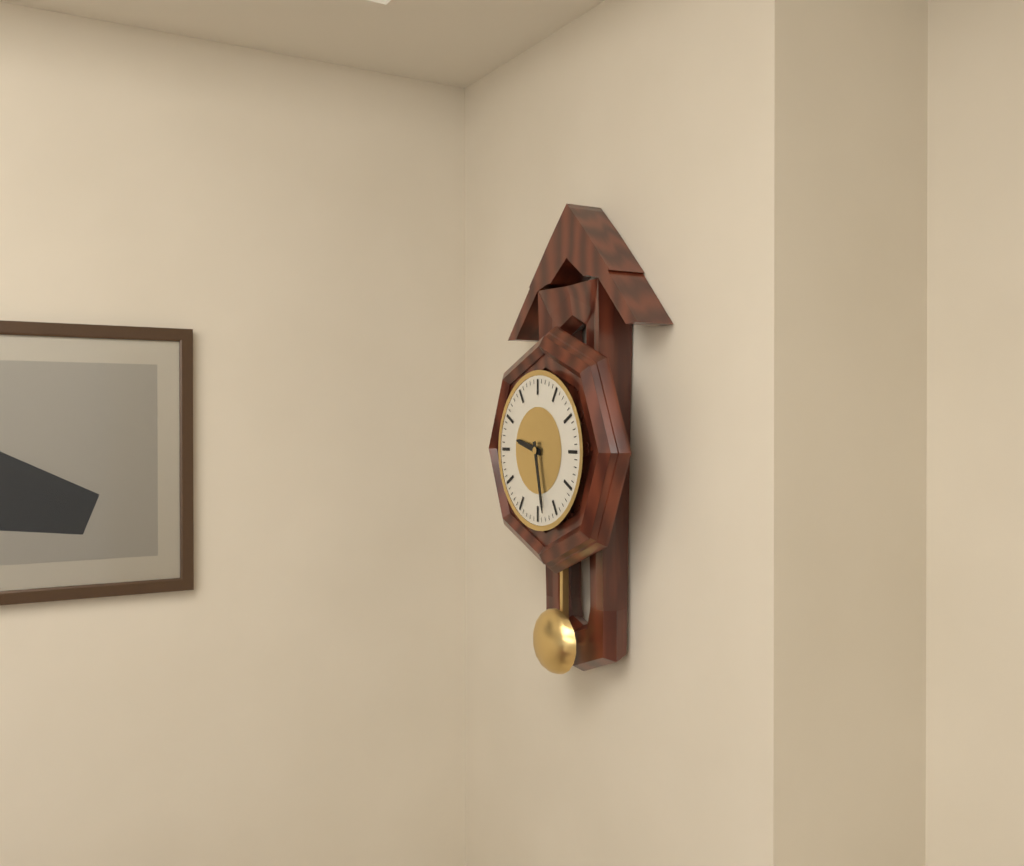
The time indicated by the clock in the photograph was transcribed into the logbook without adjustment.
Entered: 9:28
